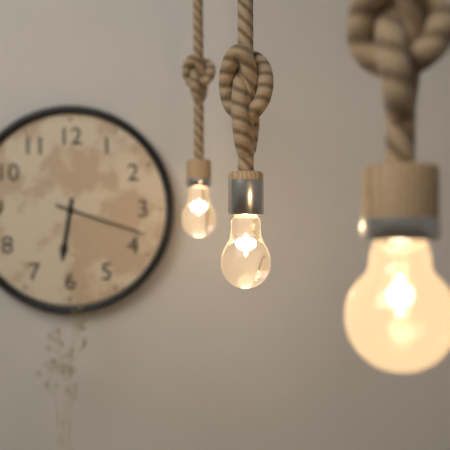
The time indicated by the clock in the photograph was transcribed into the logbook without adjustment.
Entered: 6:18
